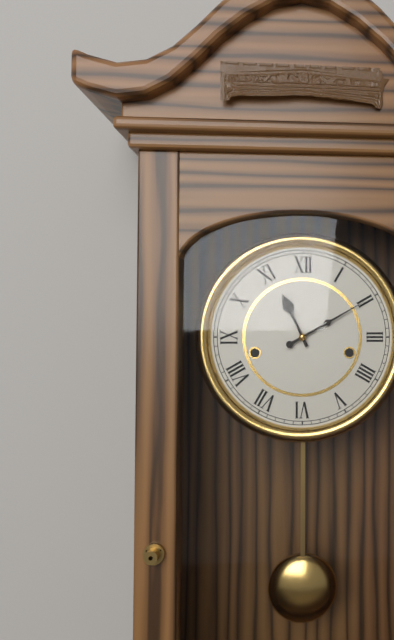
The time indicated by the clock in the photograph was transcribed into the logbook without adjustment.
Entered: 11:10
